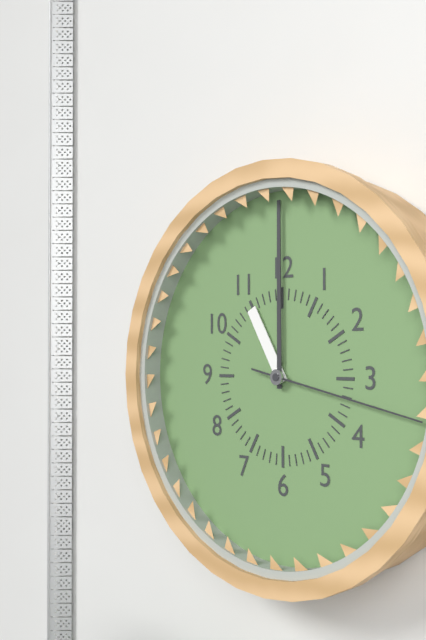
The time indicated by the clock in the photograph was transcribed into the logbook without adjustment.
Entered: 11:00:17
